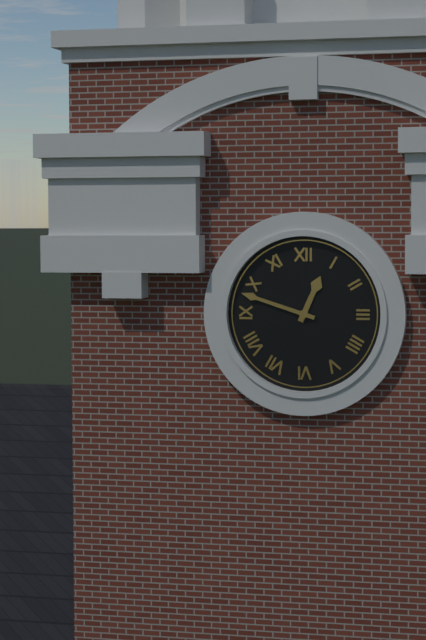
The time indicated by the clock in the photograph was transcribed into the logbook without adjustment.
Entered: 12:48
